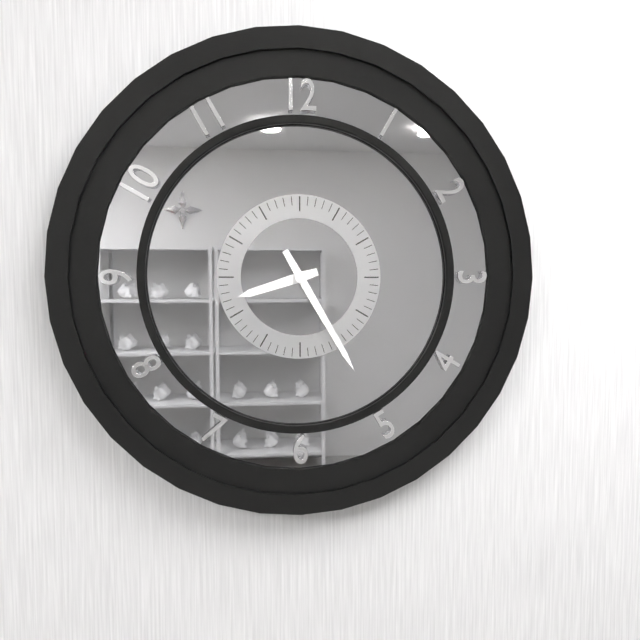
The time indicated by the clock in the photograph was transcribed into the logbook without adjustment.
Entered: 8:25
